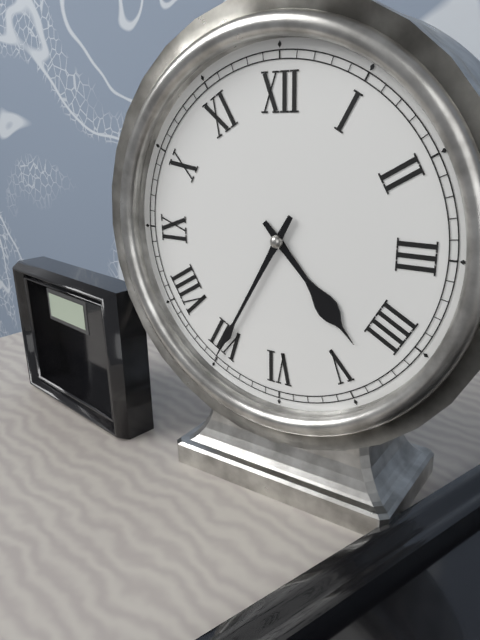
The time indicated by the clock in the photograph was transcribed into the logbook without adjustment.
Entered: 4:35
